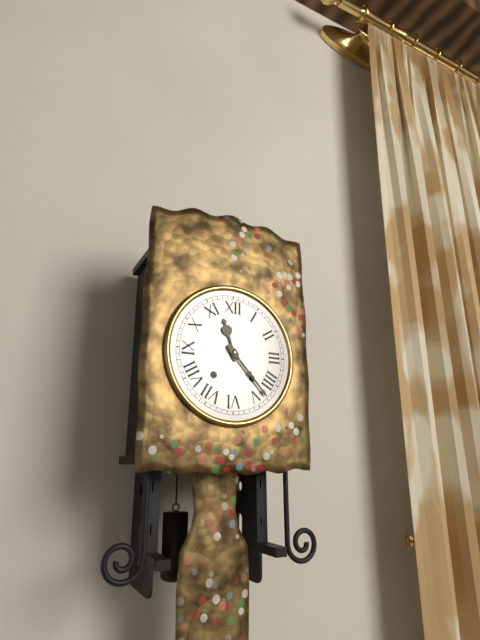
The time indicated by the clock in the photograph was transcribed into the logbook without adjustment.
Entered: 11:23
